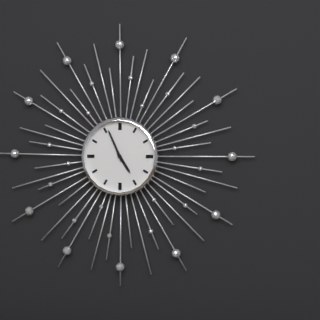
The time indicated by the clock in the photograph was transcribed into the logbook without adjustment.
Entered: 4:56
